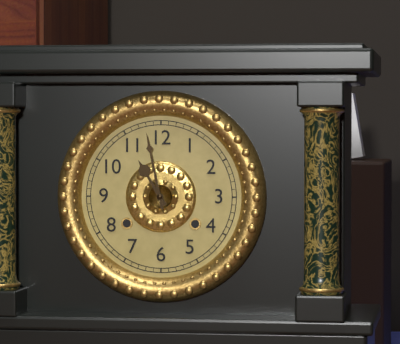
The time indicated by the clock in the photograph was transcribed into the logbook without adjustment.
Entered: 10:58
